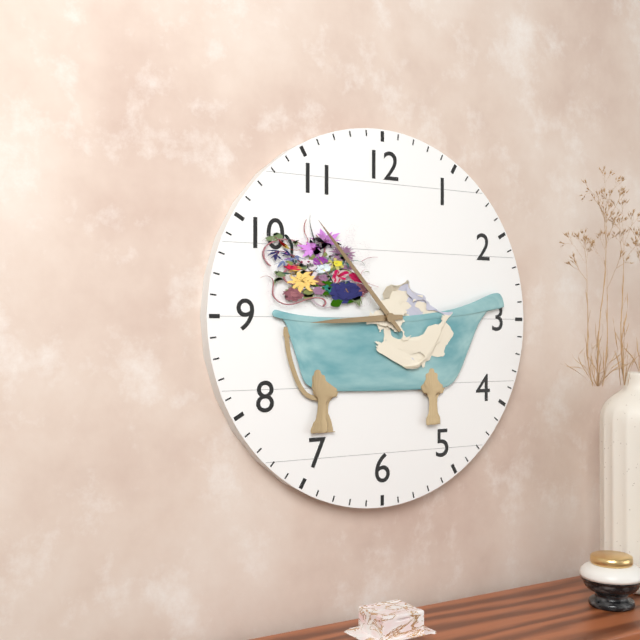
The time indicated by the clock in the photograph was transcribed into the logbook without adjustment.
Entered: 8:53
